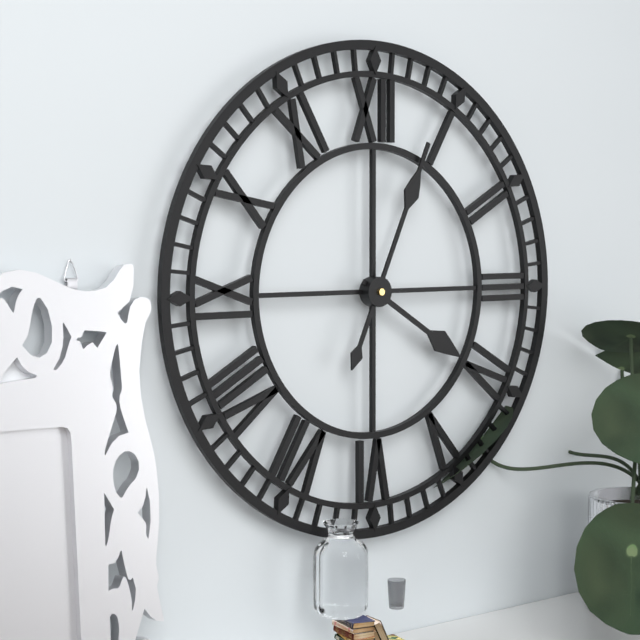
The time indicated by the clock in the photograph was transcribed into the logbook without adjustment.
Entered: 4:04
